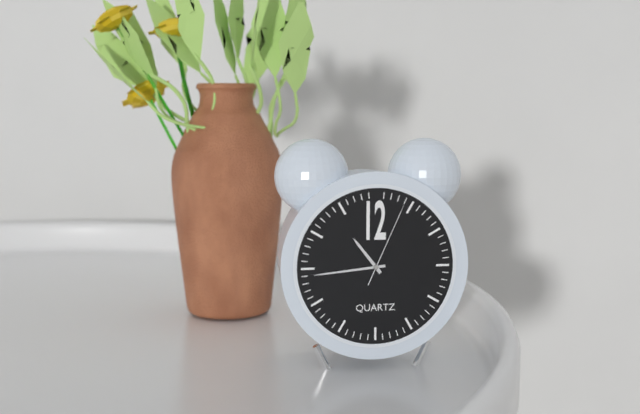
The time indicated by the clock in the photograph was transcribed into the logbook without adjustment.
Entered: 10:44:04
